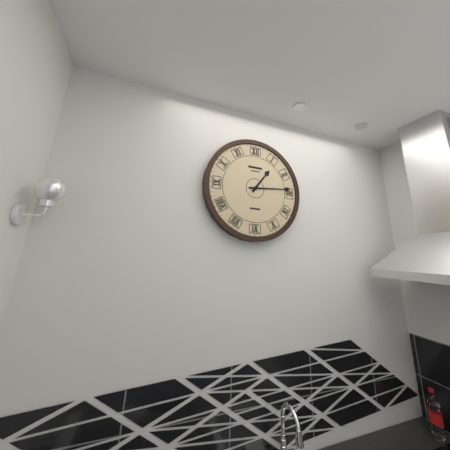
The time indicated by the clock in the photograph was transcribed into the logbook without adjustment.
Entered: 1:14
